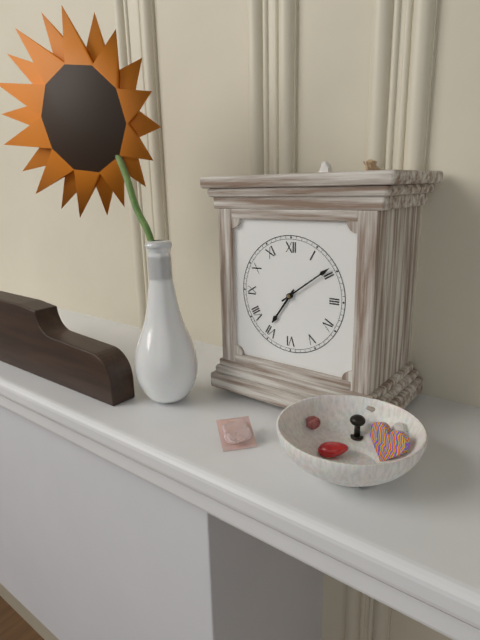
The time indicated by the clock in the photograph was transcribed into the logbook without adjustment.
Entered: 7:09
